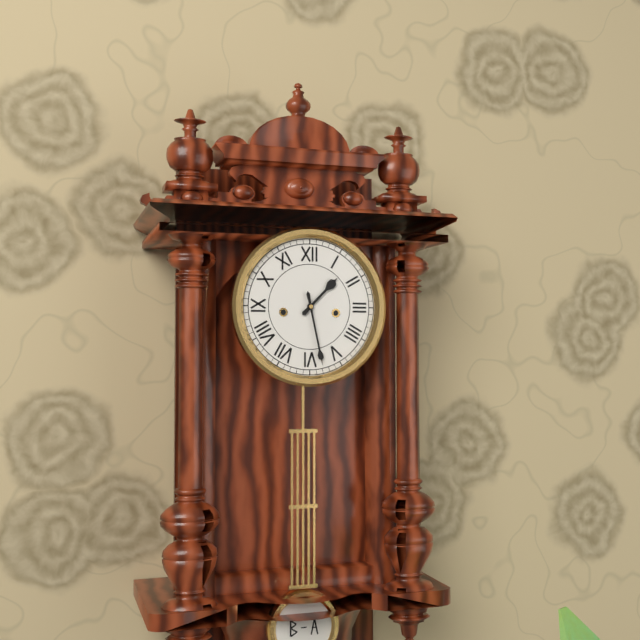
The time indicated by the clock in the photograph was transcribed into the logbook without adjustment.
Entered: 1:28
